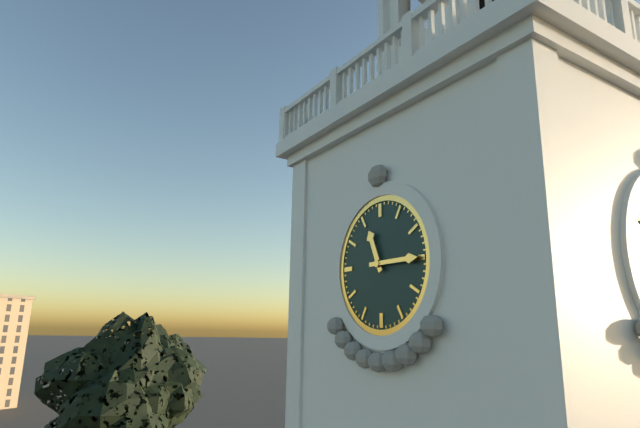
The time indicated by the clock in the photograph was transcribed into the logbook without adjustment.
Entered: 11:15
